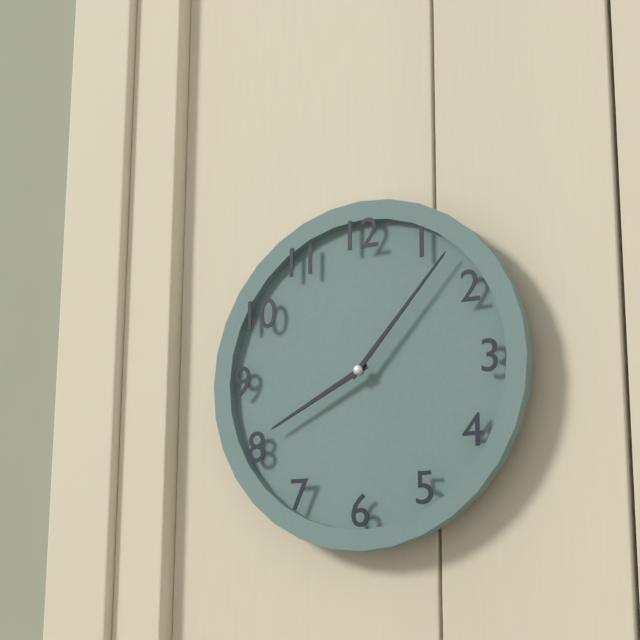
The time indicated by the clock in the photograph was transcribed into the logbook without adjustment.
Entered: 8:07
